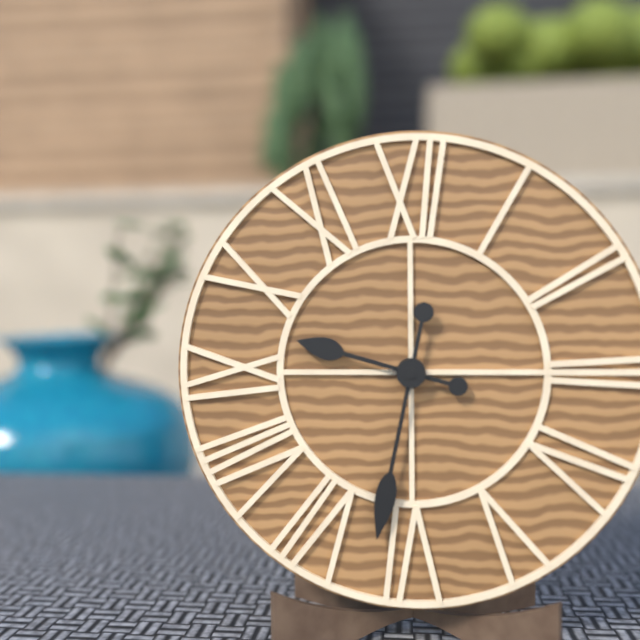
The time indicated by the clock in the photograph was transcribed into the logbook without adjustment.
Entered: 9:32
